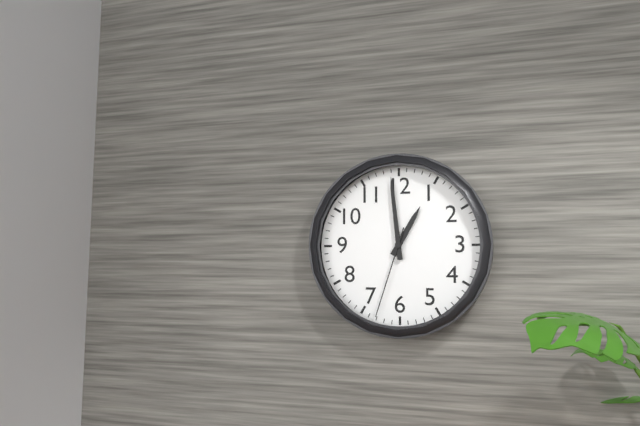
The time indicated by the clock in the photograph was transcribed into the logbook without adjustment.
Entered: 12:59:33
